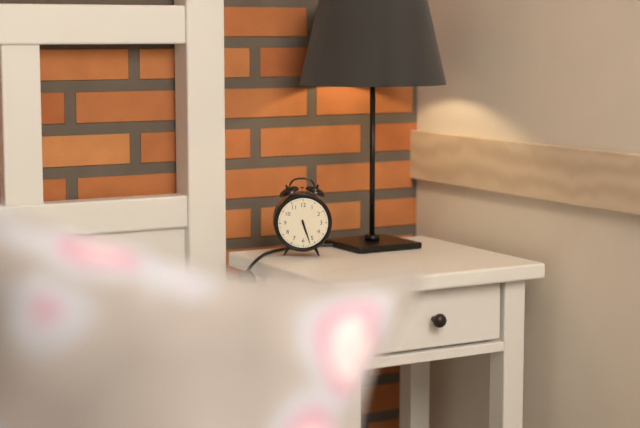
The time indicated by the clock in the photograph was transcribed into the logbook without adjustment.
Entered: 5:27
